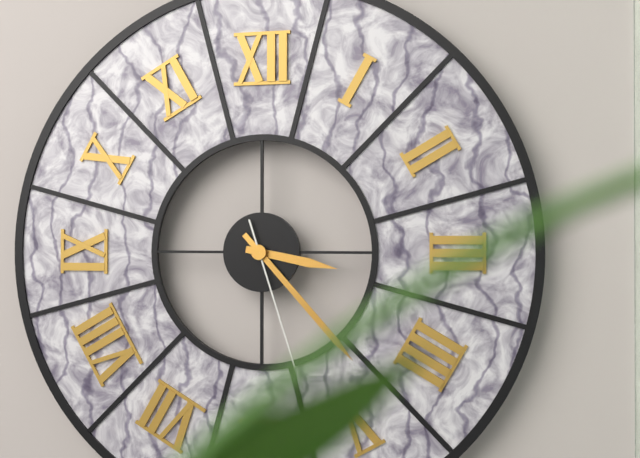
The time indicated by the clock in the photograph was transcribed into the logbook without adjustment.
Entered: 3:23:27
